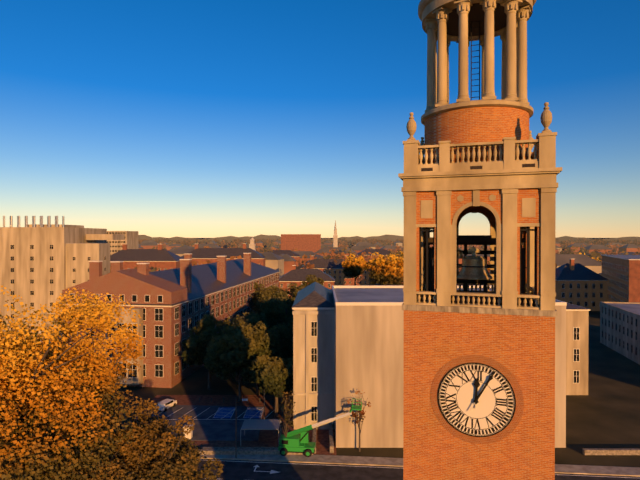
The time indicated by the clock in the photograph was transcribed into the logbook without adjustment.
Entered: 12:05
